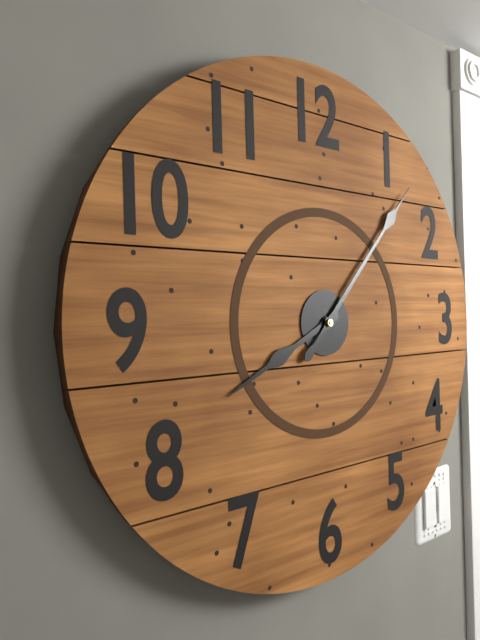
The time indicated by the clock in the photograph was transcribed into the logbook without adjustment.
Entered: 8:07
